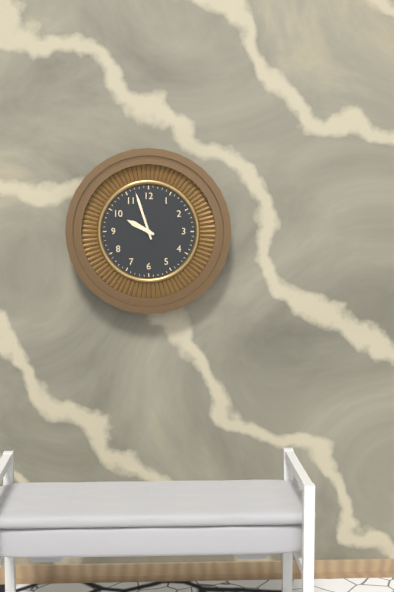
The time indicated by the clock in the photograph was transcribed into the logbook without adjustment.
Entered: 9:57
